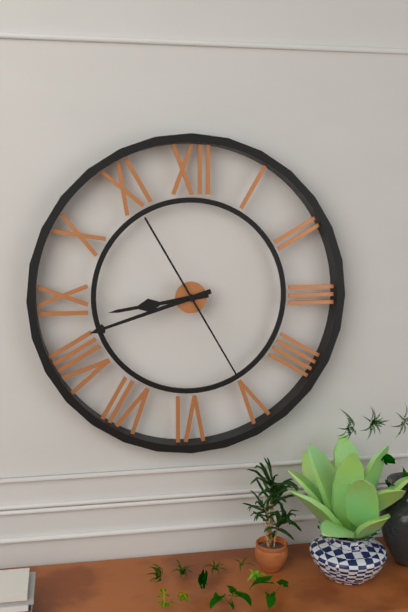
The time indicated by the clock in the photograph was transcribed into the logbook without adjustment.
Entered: 8:42:25
